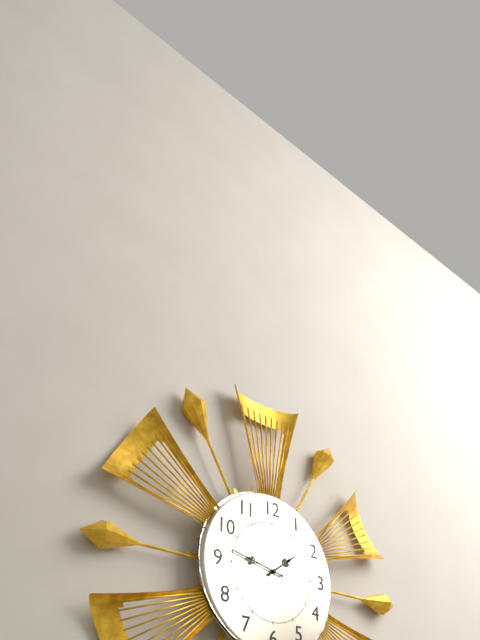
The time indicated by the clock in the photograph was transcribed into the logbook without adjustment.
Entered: 1:47
